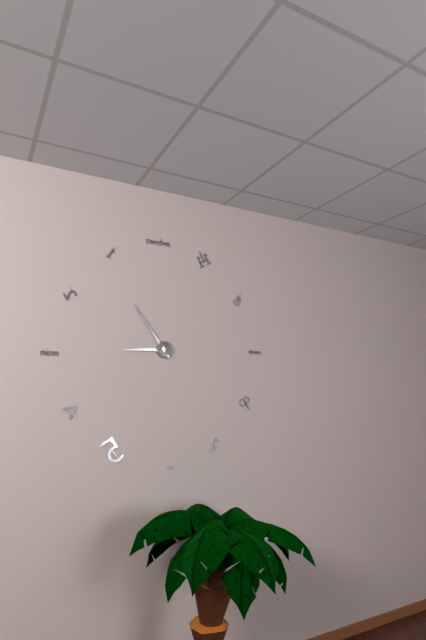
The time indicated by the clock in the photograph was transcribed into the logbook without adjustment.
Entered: 8:54
